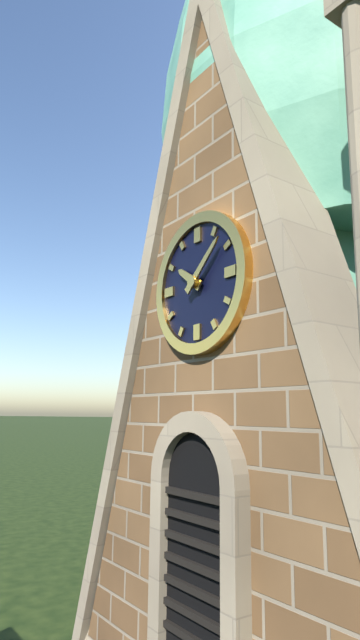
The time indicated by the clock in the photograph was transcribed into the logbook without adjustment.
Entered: 10:08
